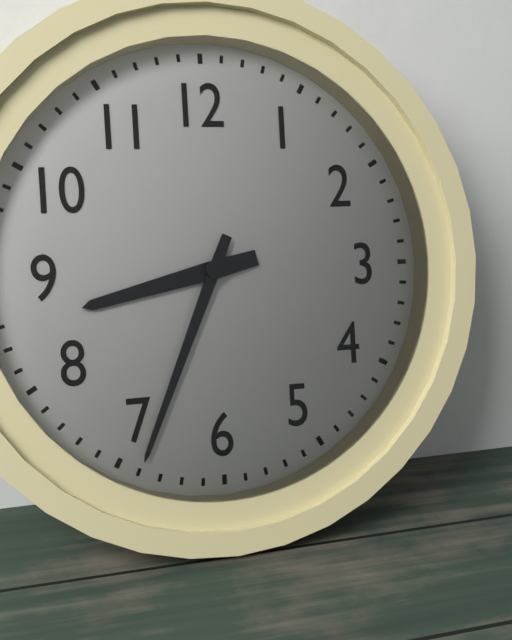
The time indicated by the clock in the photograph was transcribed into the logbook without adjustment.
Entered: 8:34
